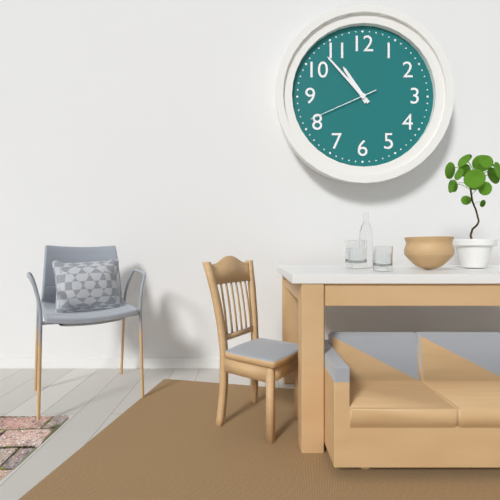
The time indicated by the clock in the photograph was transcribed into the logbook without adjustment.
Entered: 10:53:41
